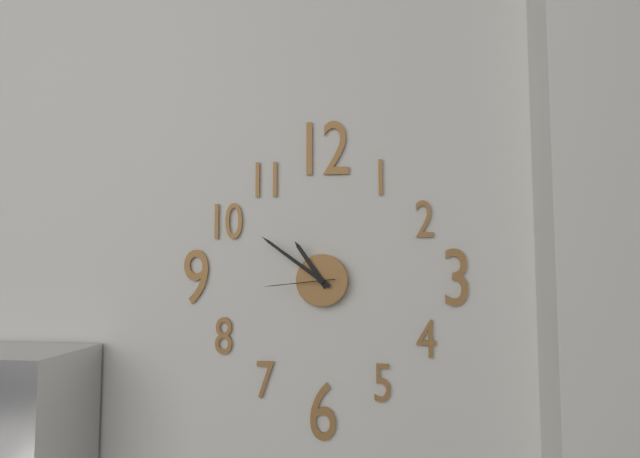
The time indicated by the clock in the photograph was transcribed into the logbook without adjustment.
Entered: 10:51:44
